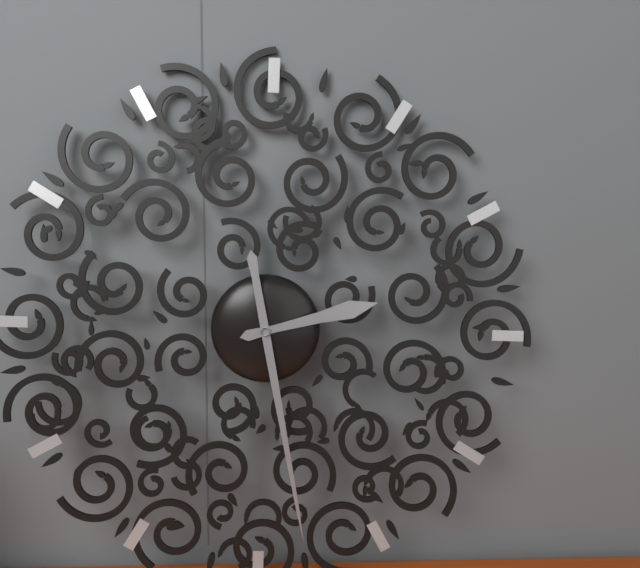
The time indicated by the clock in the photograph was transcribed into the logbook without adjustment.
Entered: 2:28
